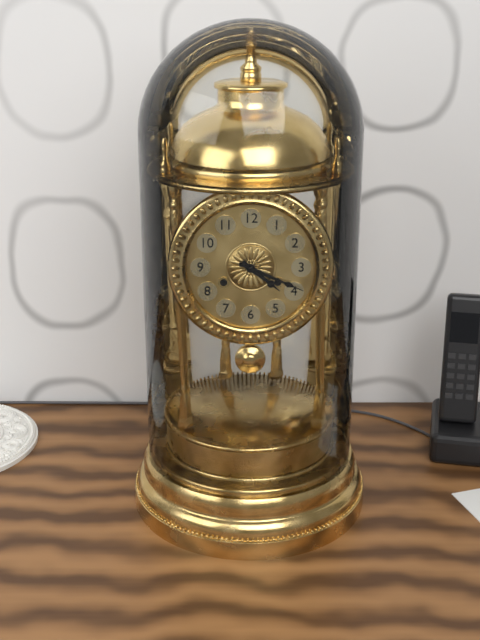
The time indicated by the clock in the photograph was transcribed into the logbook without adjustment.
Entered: 4:19
